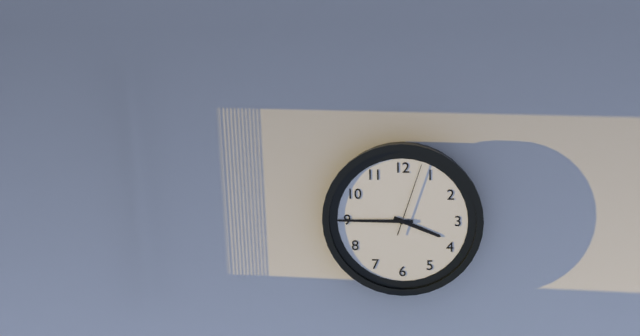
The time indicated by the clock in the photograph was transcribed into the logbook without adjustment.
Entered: 3:45:03
